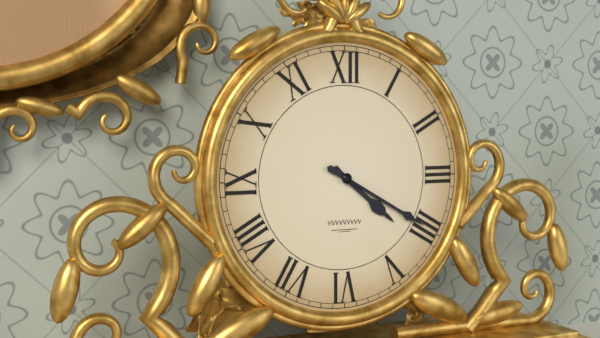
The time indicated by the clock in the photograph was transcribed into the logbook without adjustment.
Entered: 4:20
